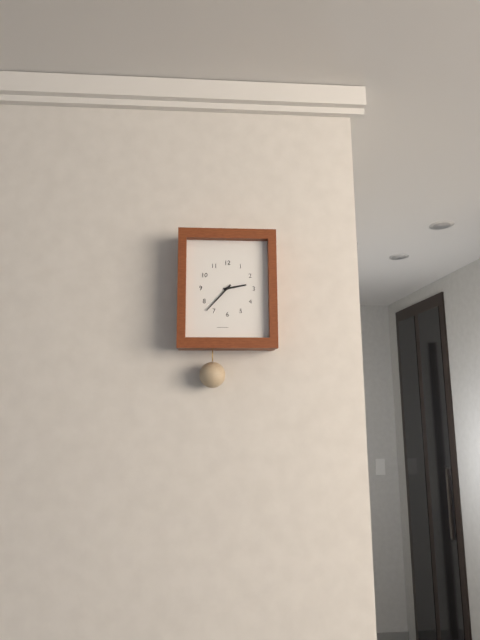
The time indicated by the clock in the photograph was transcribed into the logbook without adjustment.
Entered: 2:37
